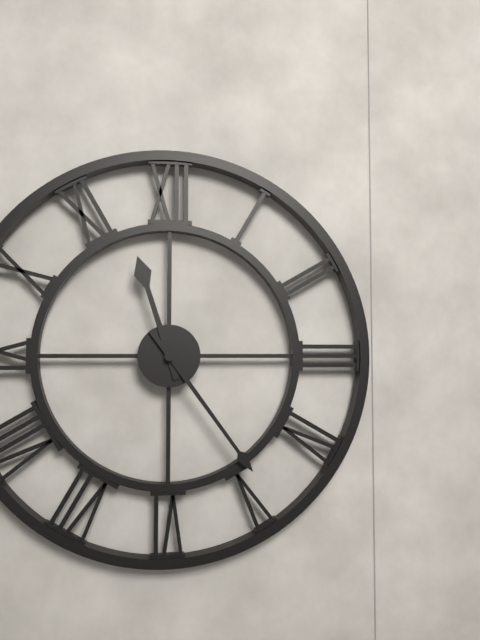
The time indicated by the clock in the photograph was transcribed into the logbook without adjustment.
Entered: 11:24
